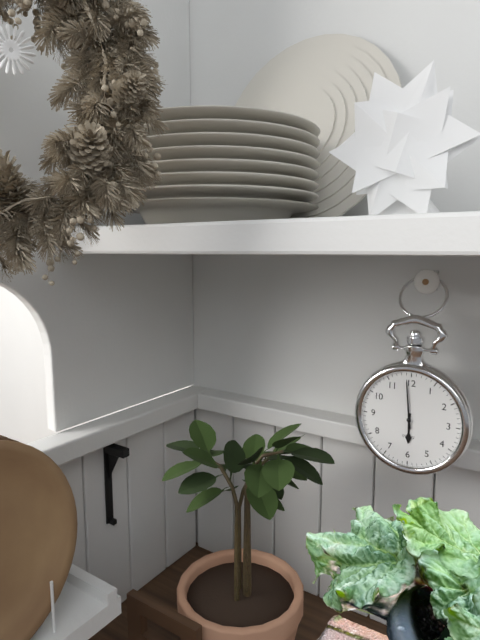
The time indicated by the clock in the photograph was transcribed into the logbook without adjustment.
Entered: 5:59
